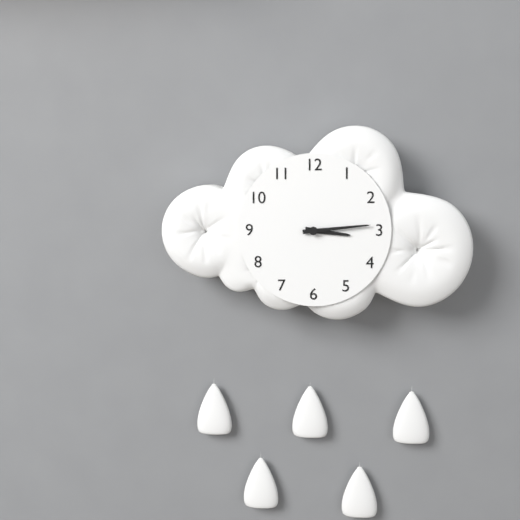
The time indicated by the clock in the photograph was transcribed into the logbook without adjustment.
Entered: 3:14
